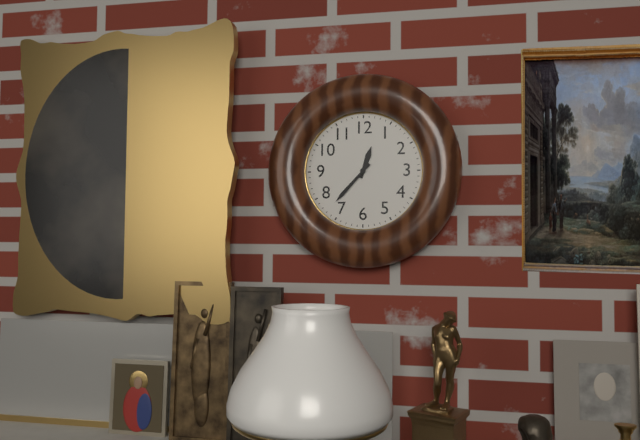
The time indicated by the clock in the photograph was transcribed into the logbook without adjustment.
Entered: 12:37
